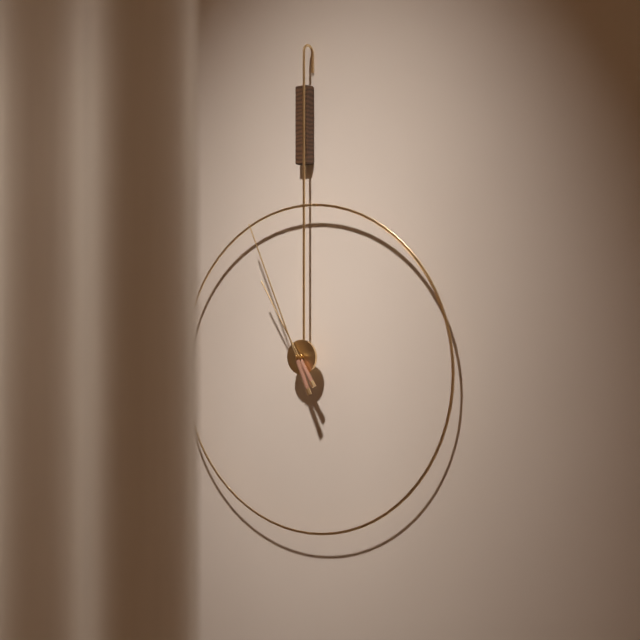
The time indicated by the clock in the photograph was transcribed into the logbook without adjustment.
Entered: 10:56
